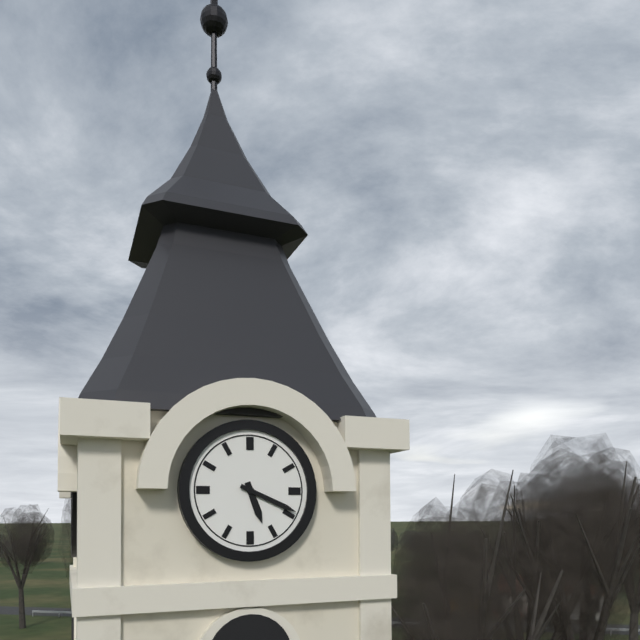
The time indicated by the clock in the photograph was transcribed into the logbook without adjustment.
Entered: 5:19
